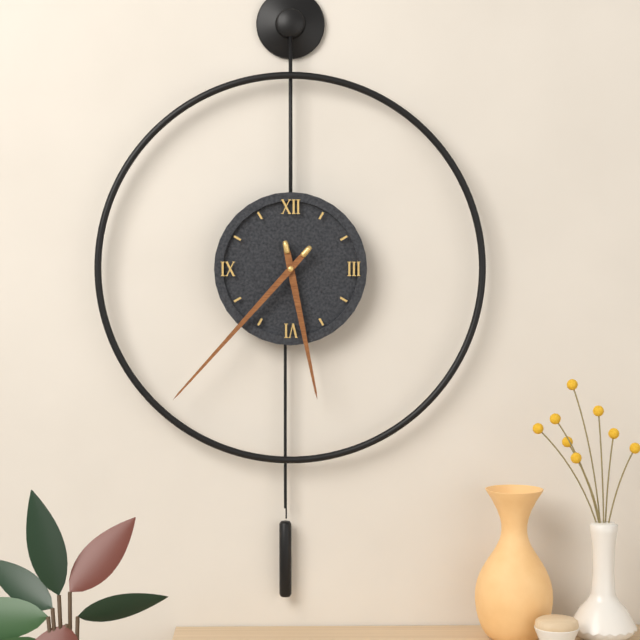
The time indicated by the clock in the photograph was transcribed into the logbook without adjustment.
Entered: 5:37
